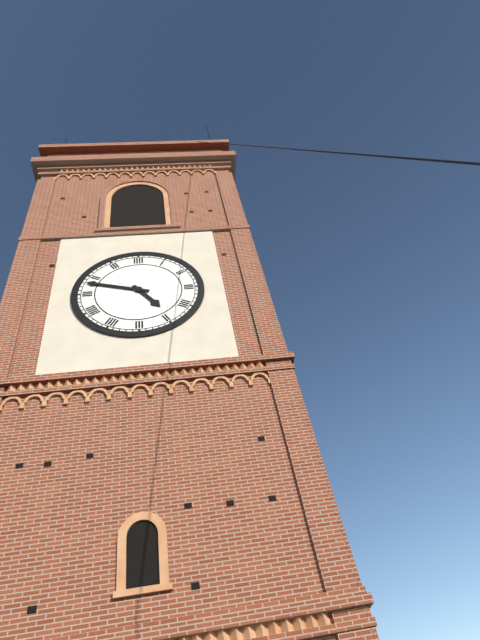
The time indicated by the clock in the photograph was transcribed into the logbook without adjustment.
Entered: 4:48
